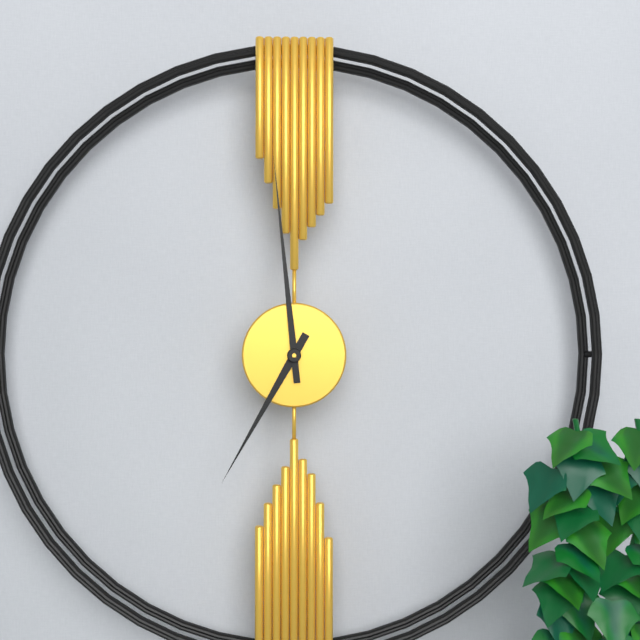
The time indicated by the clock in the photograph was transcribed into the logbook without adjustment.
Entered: 6:59
